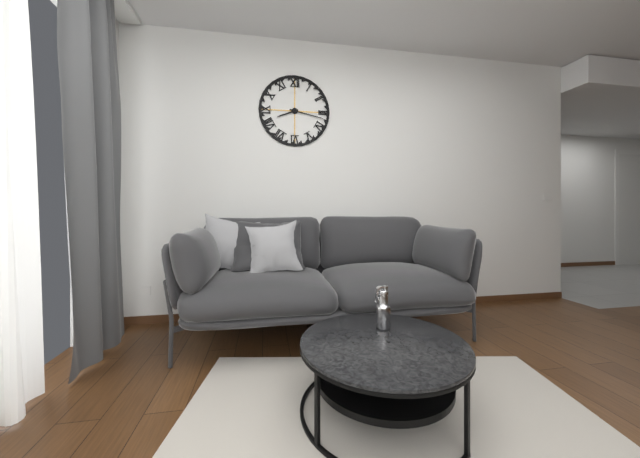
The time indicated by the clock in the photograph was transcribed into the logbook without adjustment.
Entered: 8:17
